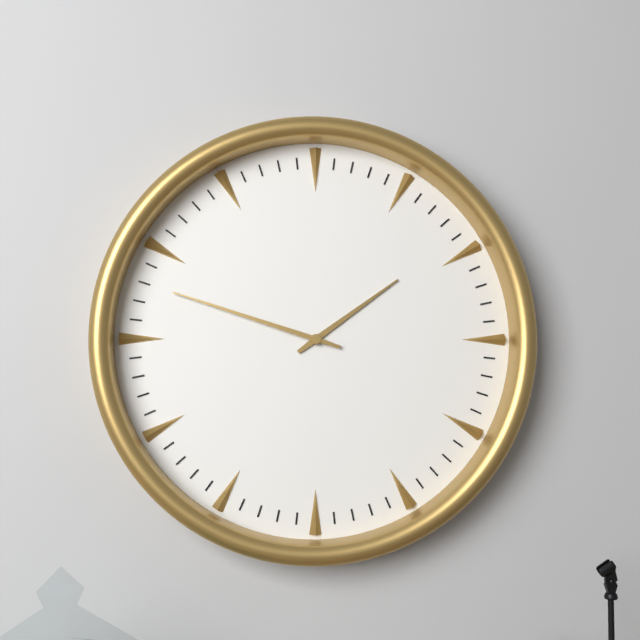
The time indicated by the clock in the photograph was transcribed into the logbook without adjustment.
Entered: 1:48
